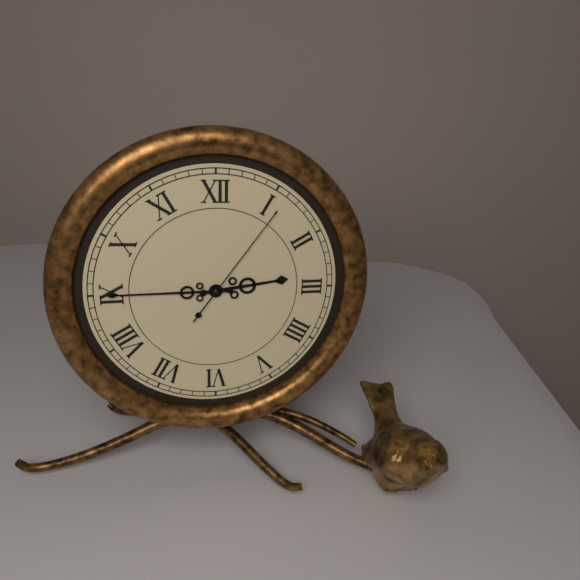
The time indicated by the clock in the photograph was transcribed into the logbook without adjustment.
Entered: 2:45:06
